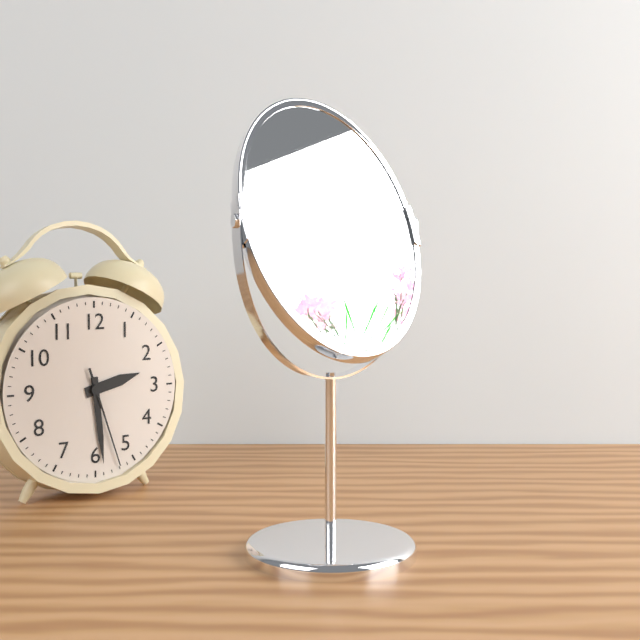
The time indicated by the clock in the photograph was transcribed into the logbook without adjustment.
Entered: 2:29:27
